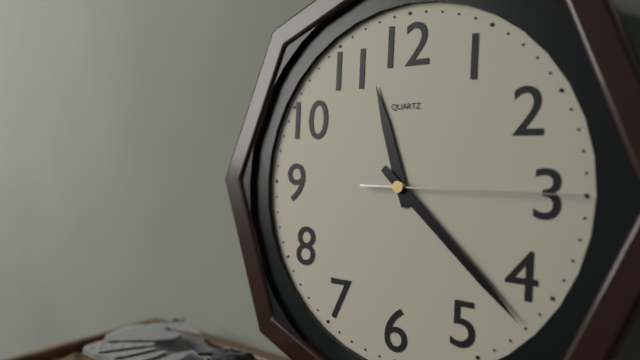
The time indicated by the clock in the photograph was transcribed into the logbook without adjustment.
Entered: 11:22:15
